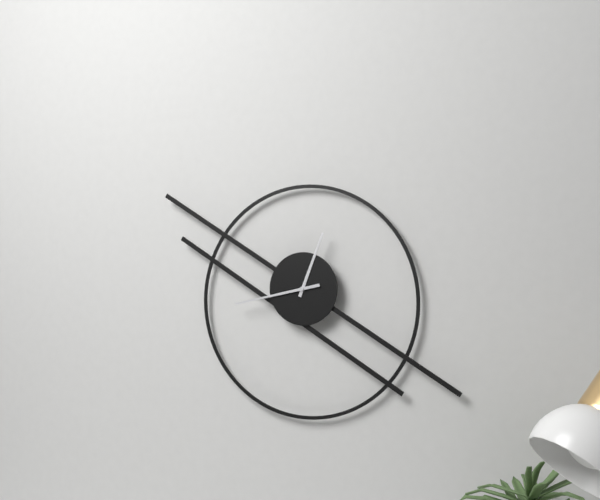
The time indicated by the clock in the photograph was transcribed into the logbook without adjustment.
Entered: 12:43
